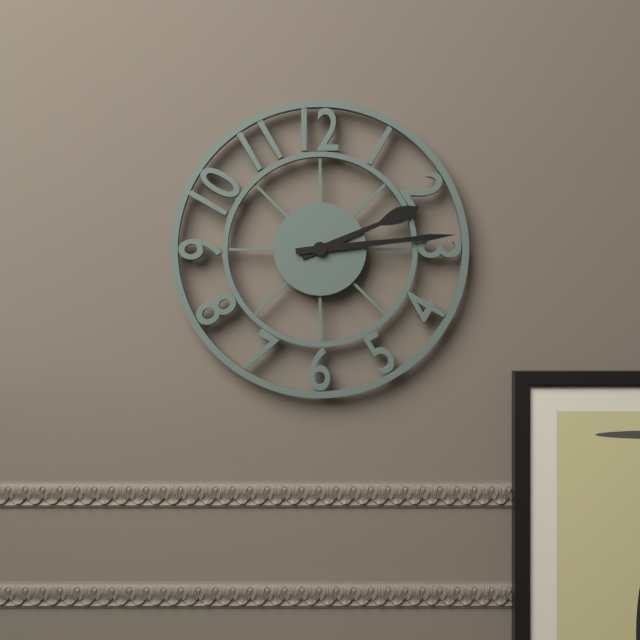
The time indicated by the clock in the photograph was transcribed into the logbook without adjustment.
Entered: 2:14
